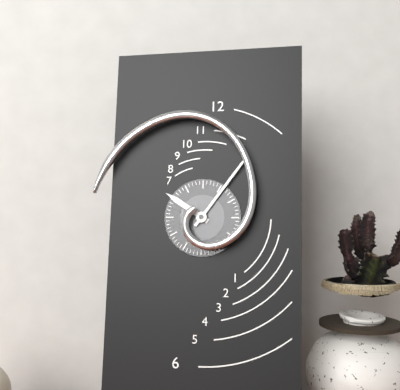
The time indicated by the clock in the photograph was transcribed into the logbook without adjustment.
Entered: 10:06
